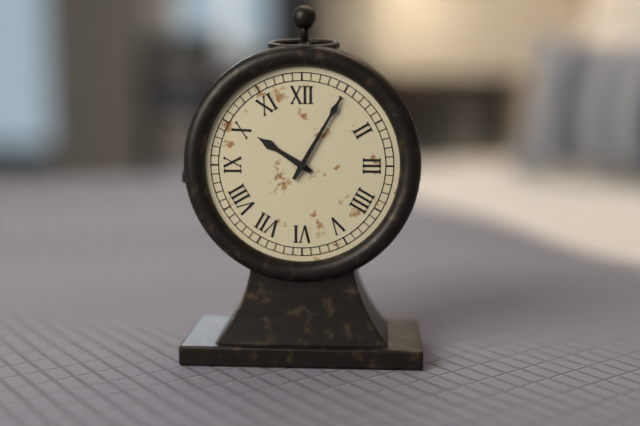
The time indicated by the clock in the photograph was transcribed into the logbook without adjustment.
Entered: 10:05
